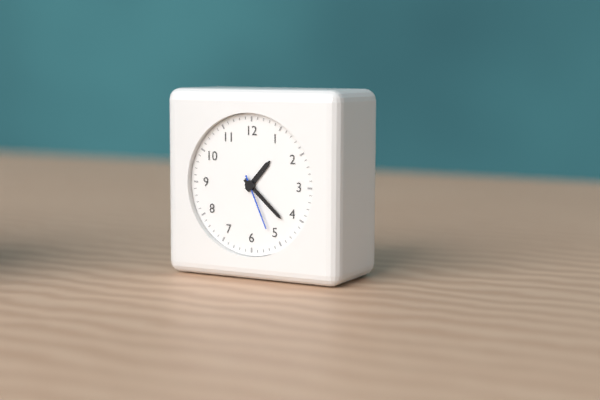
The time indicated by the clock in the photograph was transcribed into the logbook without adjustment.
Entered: 1:22:26
